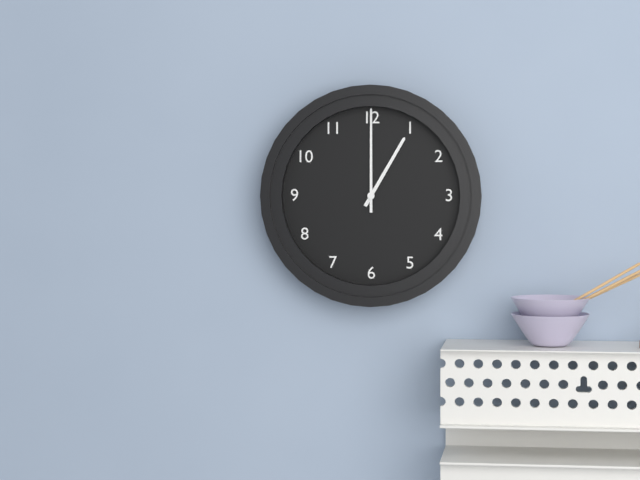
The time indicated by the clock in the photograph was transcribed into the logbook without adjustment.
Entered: 1:00
